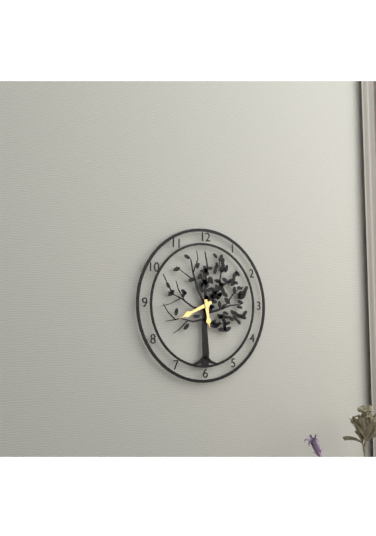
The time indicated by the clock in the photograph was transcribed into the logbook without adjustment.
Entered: 5:41
